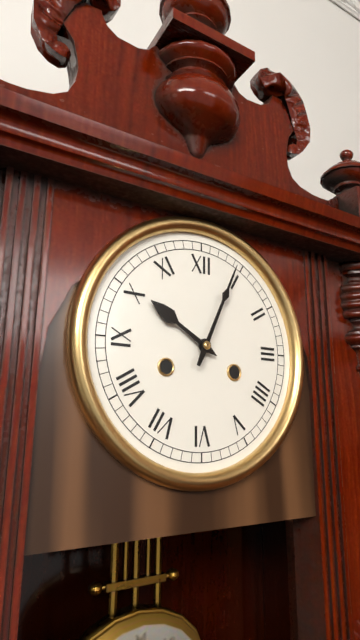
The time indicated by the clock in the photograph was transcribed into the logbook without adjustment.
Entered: 10:04
